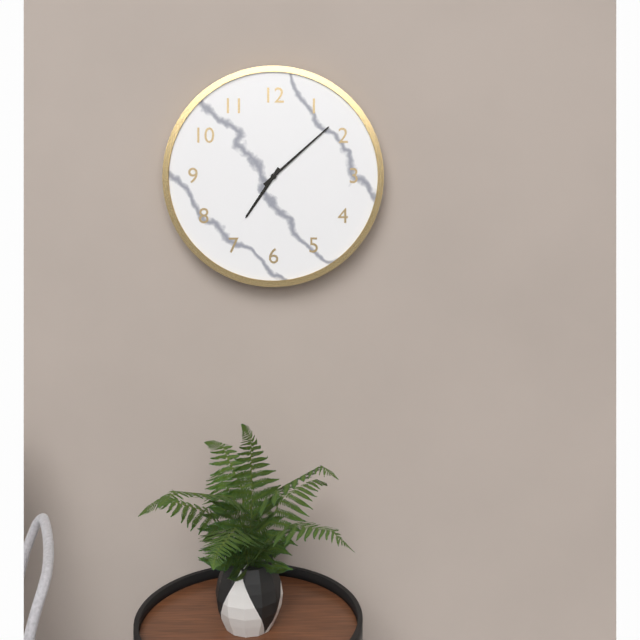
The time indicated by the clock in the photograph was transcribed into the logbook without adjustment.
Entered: 7:08
